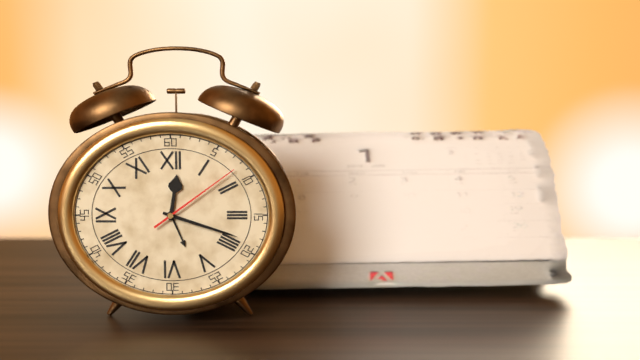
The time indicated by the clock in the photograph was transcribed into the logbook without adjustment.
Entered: 12:18:09
